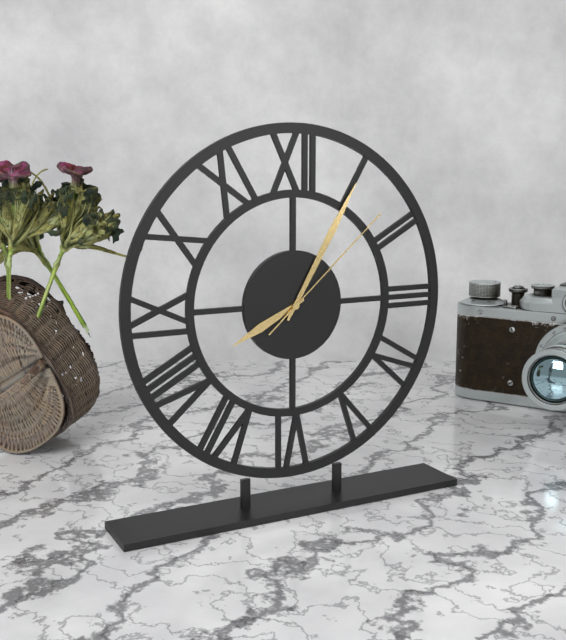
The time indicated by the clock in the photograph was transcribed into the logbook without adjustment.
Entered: 8:05:08
